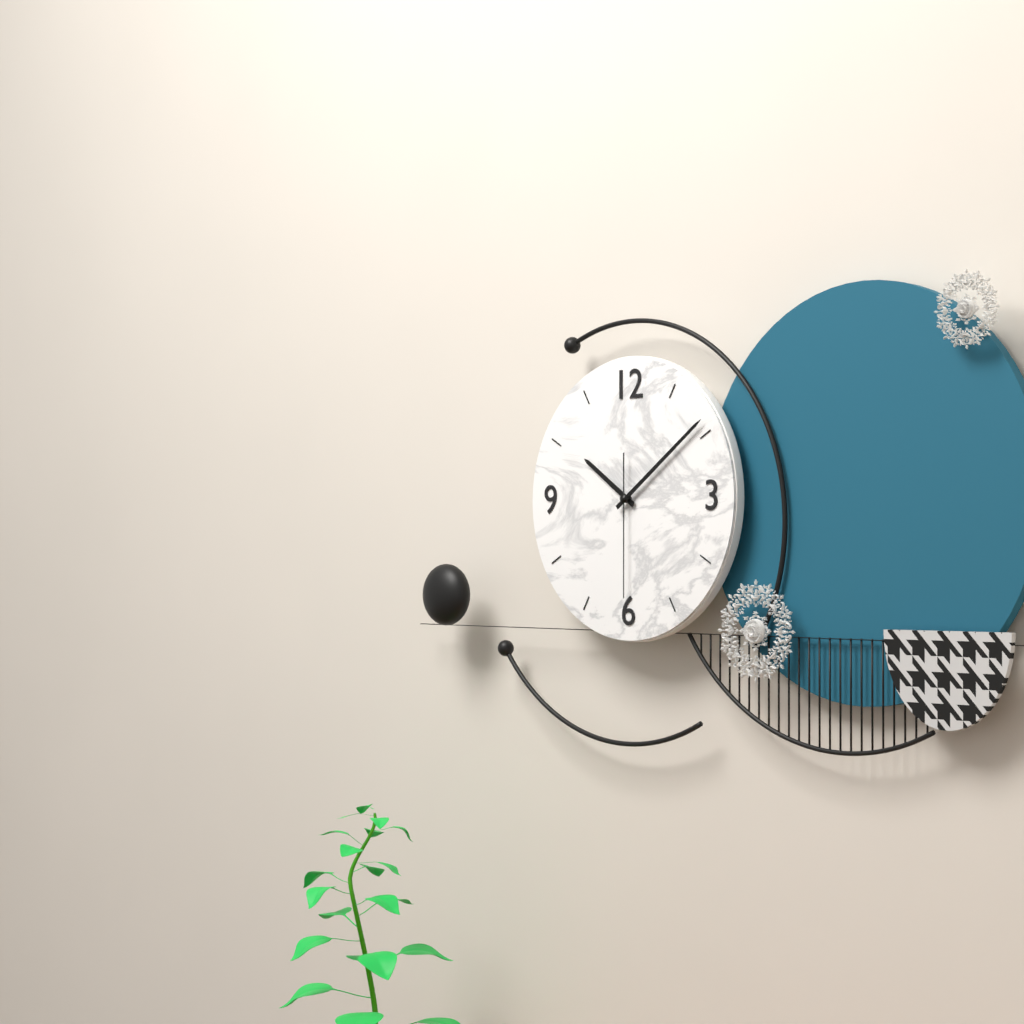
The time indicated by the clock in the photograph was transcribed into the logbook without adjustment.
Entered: 10:09:30
